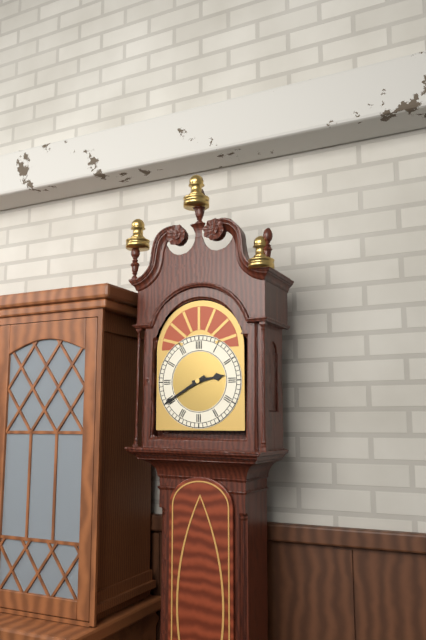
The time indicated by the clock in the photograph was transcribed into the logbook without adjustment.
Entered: 2:40
